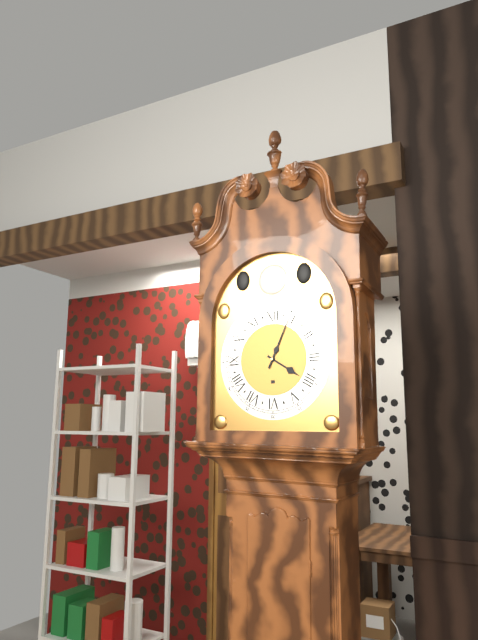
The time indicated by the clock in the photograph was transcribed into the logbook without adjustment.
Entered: 4:04
